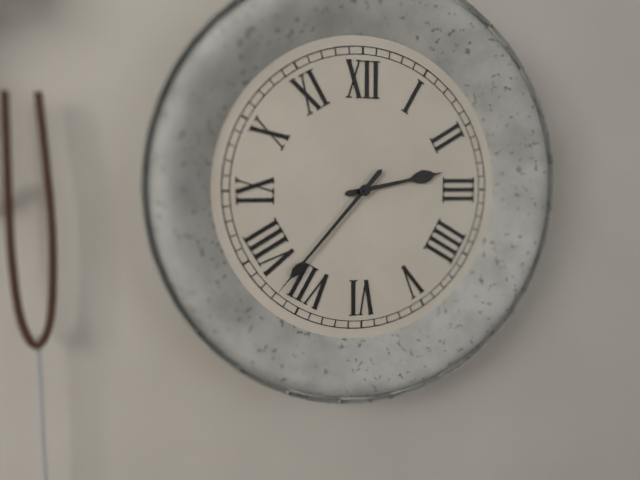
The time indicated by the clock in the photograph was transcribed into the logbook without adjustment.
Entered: 2:37
